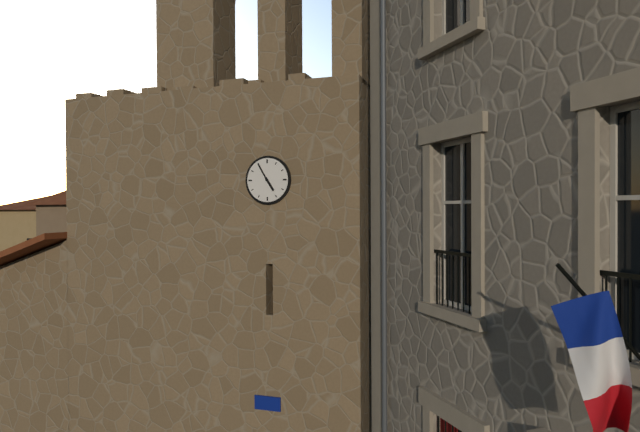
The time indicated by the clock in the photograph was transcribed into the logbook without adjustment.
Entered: 4:55
